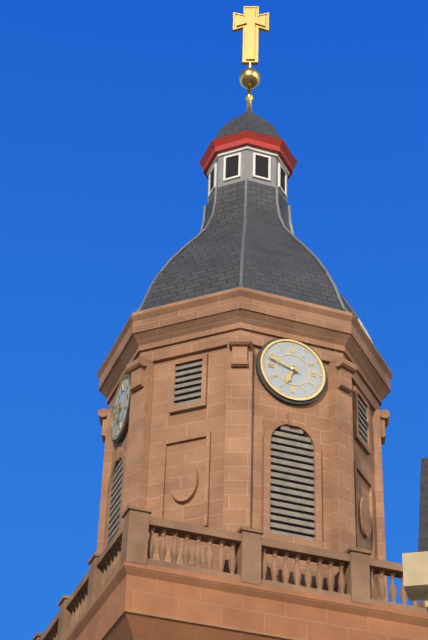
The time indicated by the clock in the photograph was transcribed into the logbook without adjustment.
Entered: 6:48
